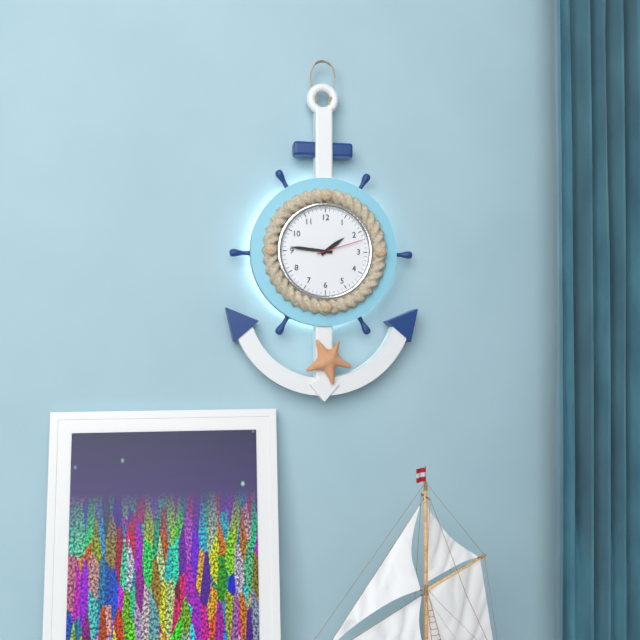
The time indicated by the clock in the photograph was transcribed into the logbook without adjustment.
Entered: 1:46
